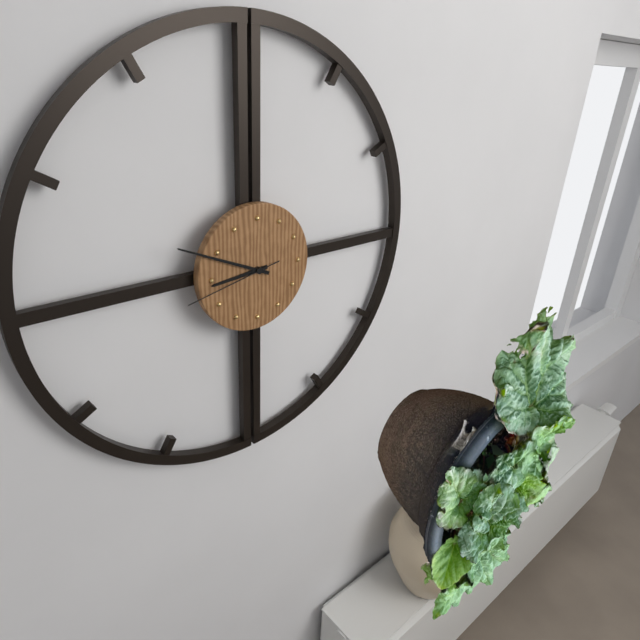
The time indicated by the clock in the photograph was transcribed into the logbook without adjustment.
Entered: 8:49:43
